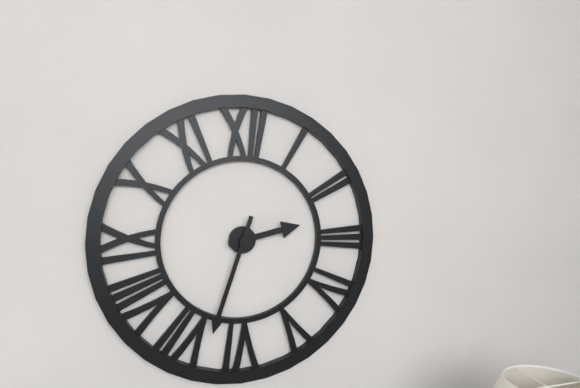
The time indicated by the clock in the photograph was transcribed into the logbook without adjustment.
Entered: 2:33
